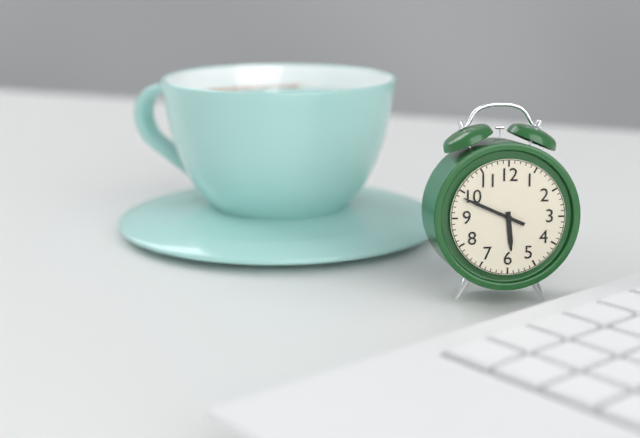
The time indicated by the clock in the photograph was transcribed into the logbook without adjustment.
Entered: 5:49
